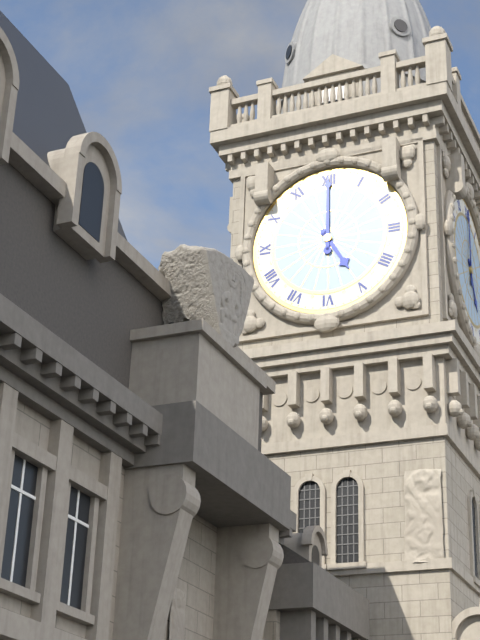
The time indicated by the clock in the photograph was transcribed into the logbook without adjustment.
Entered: 5:00
